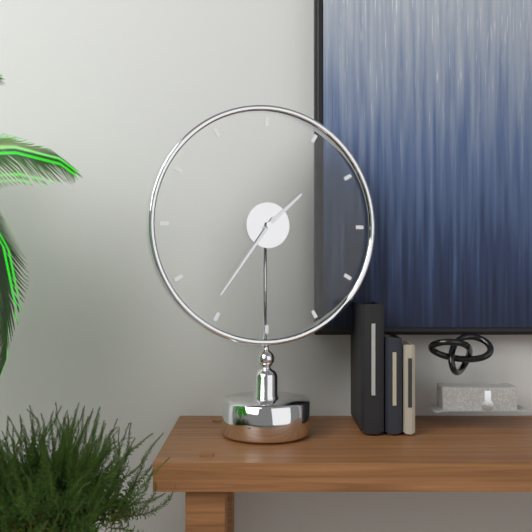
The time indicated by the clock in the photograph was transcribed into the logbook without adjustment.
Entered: 1:36
